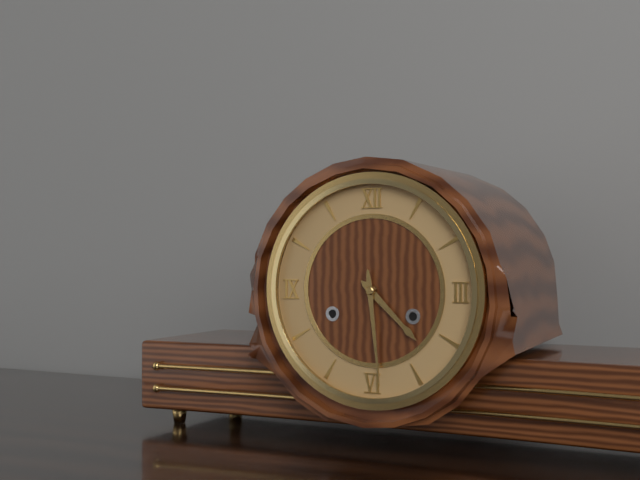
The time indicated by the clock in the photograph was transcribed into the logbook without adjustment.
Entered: 4:29
